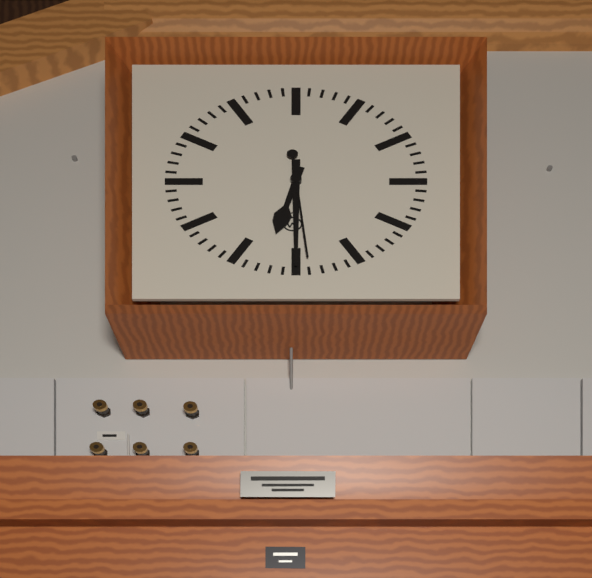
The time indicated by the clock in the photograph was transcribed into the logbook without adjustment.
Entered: 6:30
